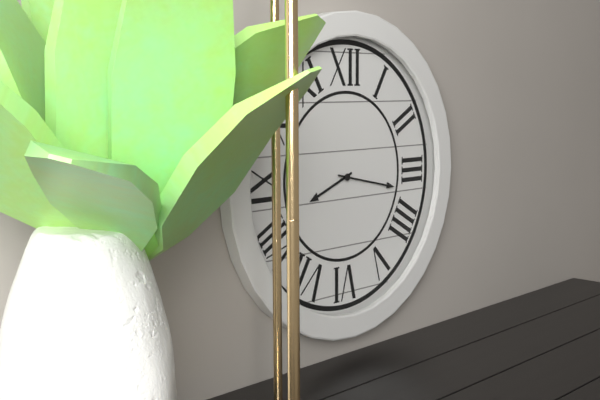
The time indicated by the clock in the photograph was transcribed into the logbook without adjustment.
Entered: 8:17
